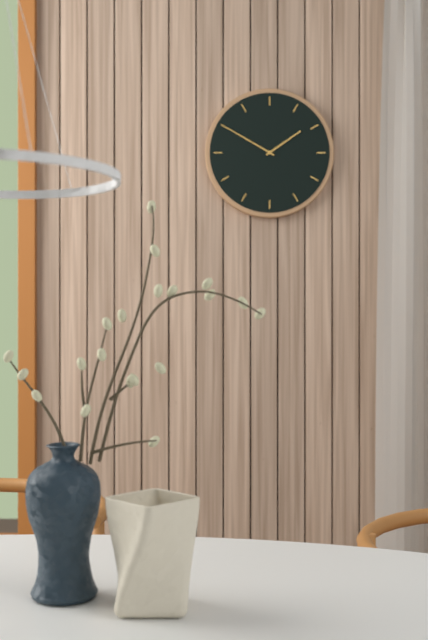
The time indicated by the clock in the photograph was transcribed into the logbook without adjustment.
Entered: 1:50
